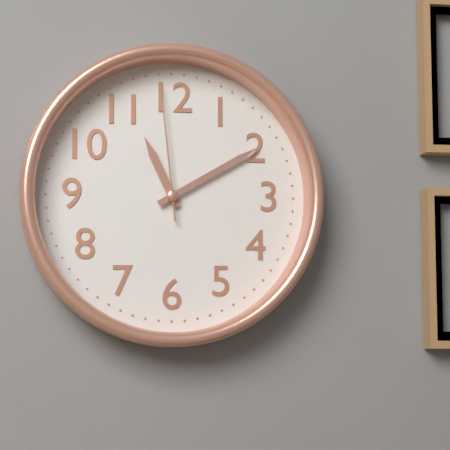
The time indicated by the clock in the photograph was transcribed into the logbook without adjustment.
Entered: 11:10:59
